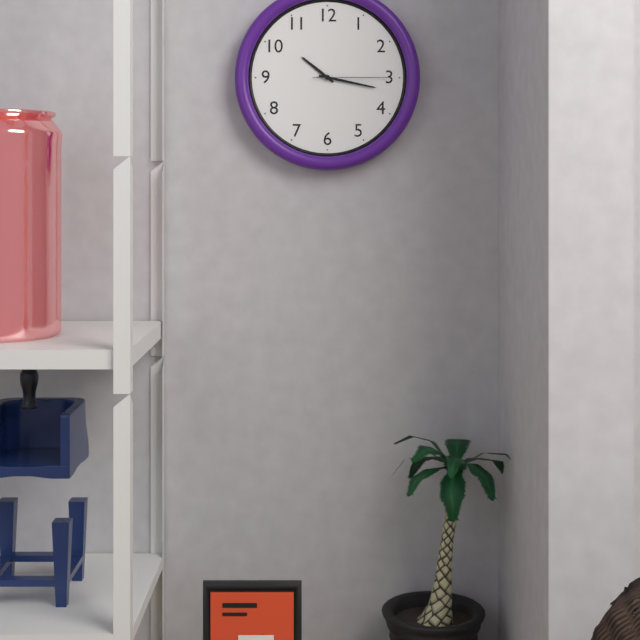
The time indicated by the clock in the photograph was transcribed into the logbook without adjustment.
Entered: 10:17:15
